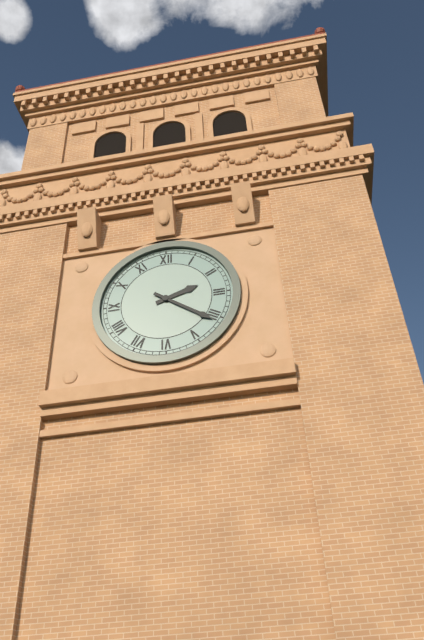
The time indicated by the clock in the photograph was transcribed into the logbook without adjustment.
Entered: 2:21
